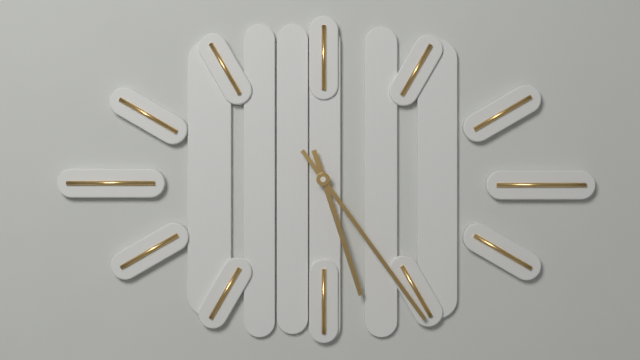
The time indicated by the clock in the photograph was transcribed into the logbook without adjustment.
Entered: 5:24
